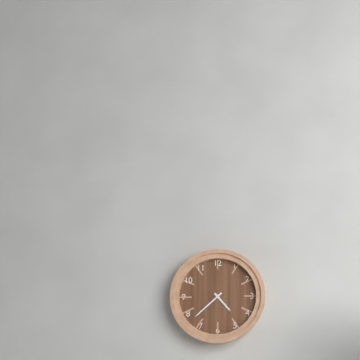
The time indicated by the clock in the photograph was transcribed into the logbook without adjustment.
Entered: 4:38
